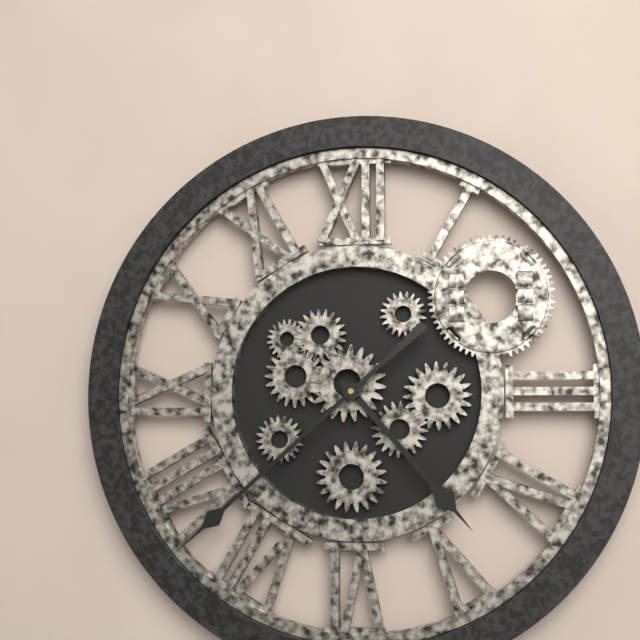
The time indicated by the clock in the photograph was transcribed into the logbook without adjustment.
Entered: 4:38
